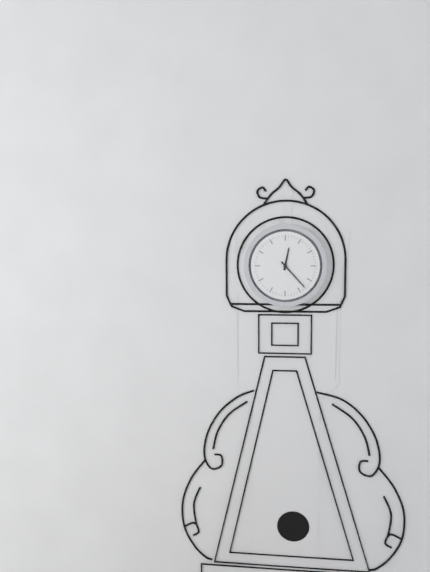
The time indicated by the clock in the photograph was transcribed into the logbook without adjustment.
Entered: 12:23
